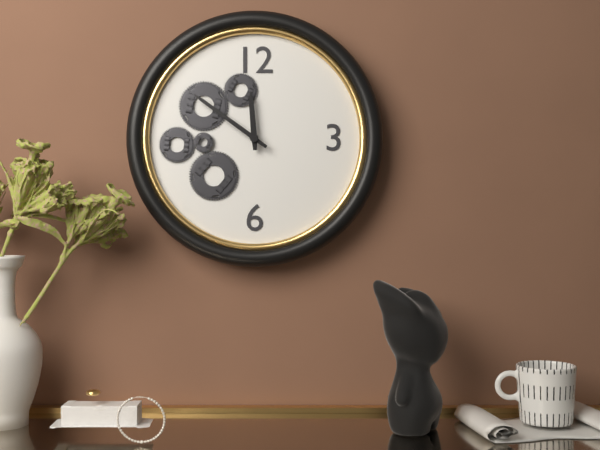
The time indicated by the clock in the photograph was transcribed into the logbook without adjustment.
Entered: 11:51
